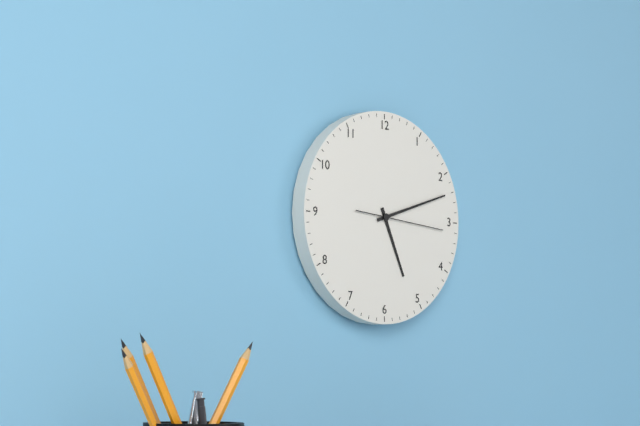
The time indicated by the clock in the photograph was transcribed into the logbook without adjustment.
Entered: 5:12:16
